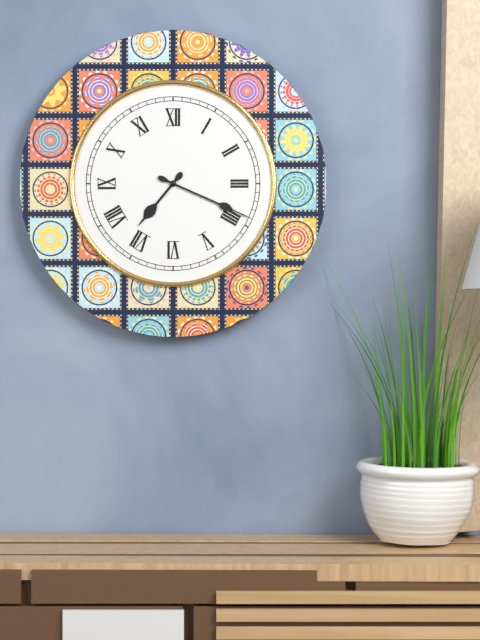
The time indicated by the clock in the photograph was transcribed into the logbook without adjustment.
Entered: 7:19
